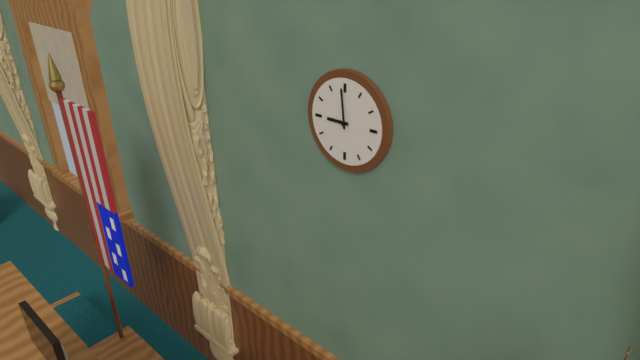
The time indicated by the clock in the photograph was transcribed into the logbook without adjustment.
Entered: 8:59
